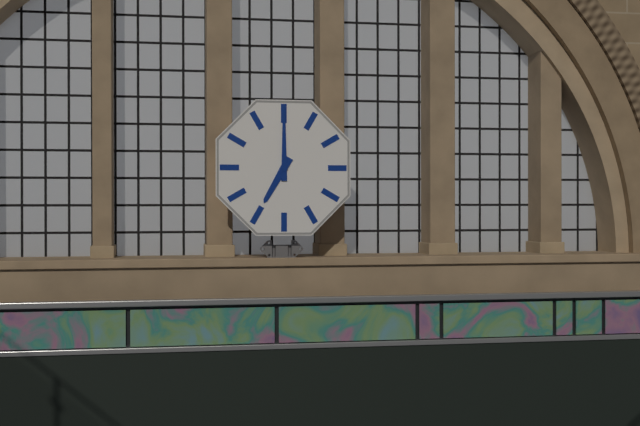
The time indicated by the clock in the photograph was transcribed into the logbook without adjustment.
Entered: 7:00
